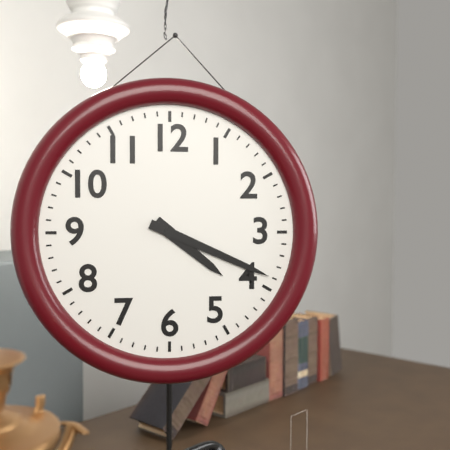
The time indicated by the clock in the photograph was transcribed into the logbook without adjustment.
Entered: 4:19
